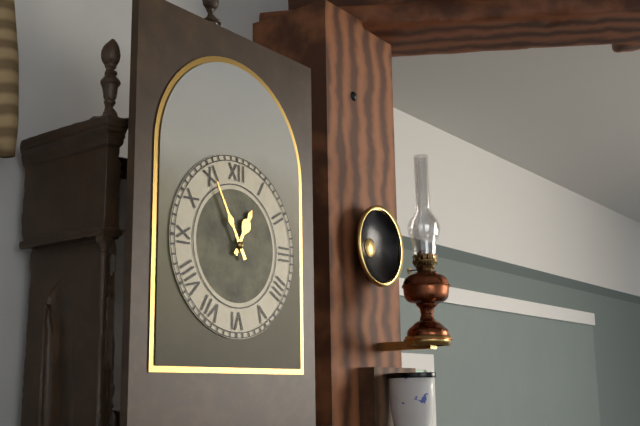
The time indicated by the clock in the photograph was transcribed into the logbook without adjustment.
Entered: 12:55
